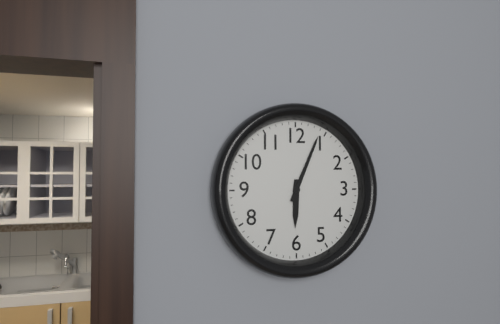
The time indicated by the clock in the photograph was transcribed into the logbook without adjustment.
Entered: 6:04
